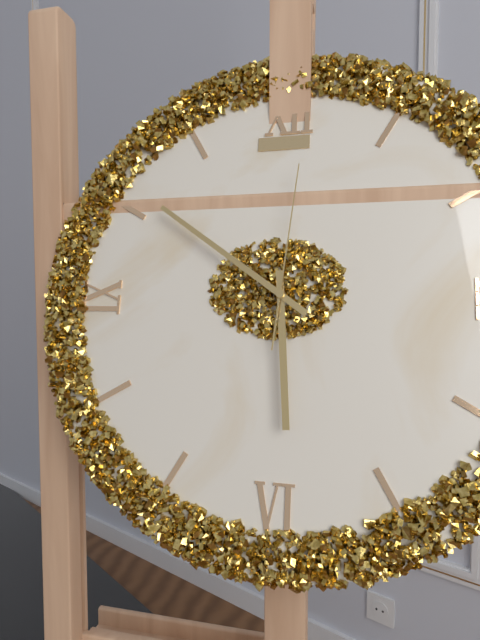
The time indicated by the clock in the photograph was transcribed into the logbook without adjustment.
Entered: 5:51:01
